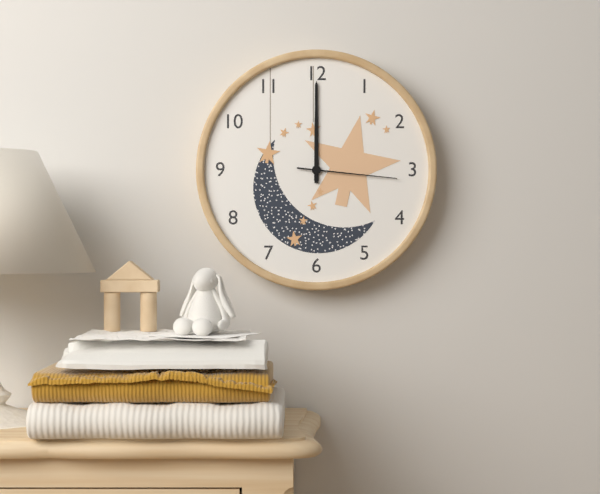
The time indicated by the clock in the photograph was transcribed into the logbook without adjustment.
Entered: 12:00:16
